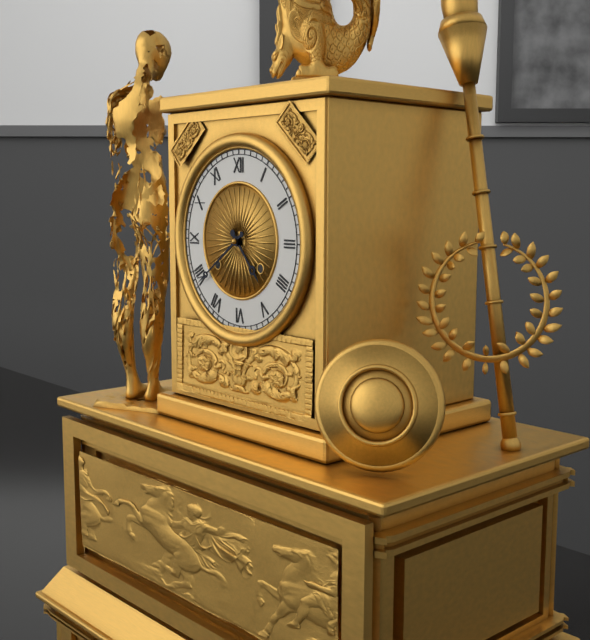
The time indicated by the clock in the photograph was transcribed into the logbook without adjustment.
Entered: 4:39
